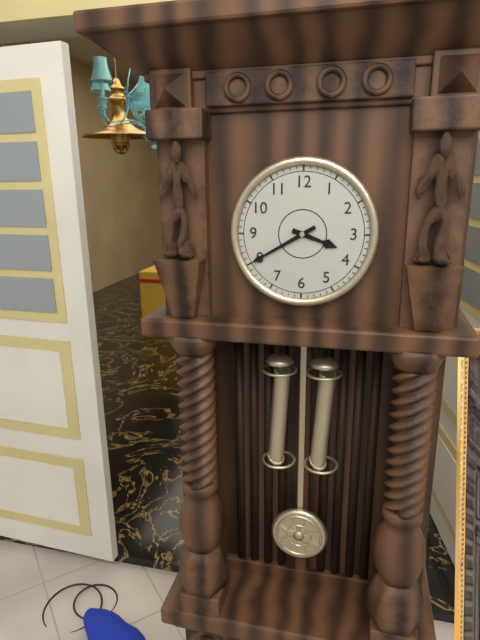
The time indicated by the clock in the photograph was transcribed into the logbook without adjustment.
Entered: 3:40
